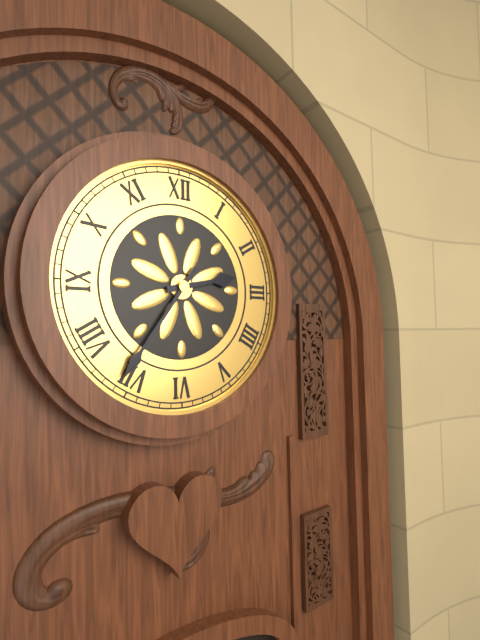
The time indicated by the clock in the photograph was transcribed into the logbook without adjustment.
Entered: 2:36
